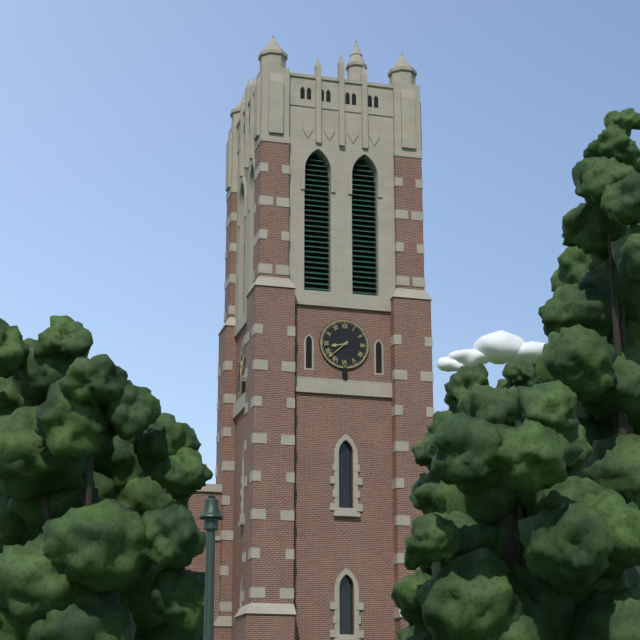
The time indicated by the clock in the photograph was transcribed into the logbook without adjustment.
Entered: 8:38
